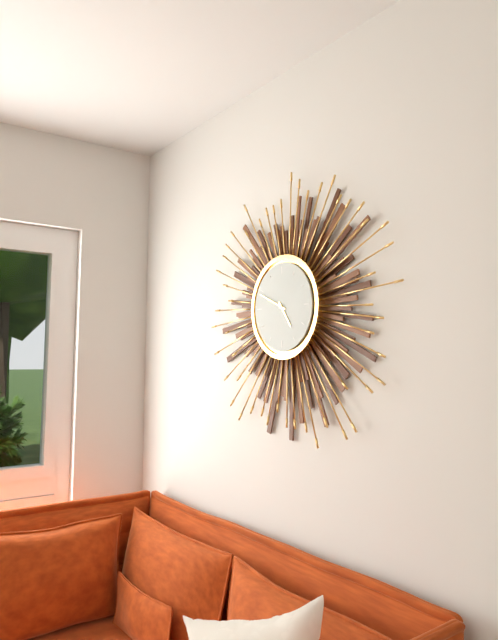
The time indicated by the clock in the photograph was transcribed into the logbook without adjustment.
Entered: 4:49
